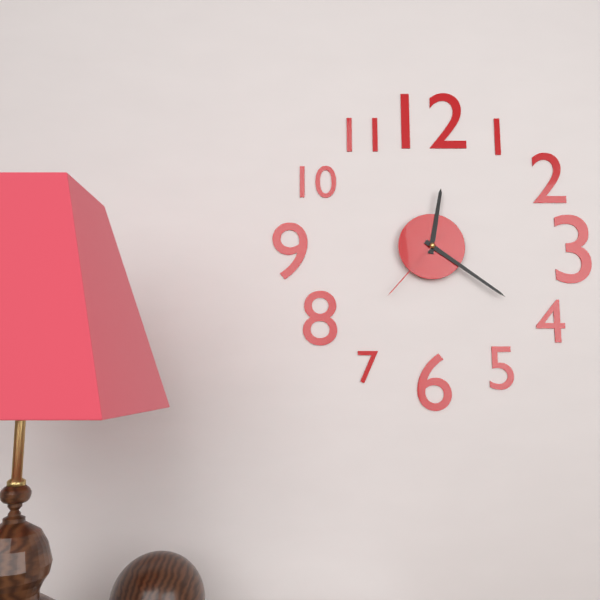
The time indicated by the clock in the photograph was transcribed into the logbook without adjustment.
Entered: 12:21:37
